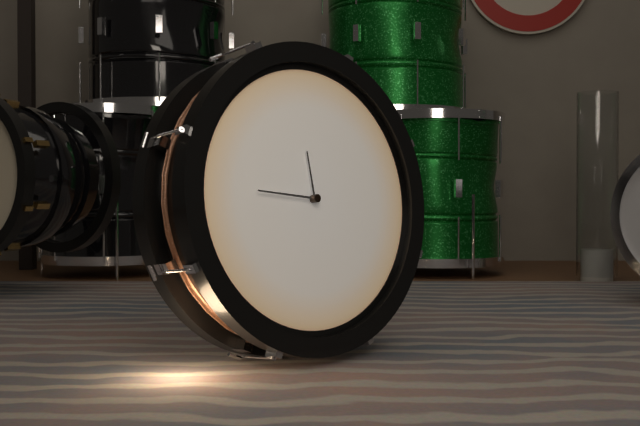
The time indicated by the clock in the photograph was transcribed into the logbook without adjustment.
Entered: 11:46
